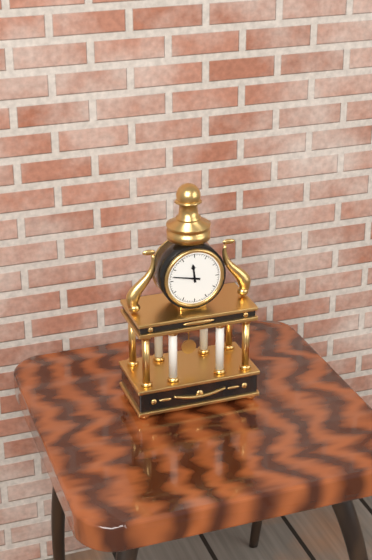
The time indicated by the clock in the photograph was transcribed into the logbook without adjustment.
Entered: 11:47
